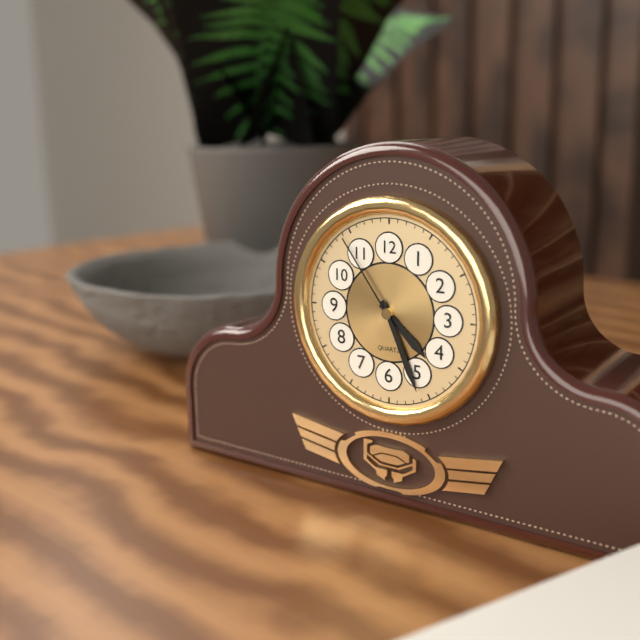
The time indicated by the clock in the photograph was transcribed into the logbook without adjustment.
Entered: 4:26:54
